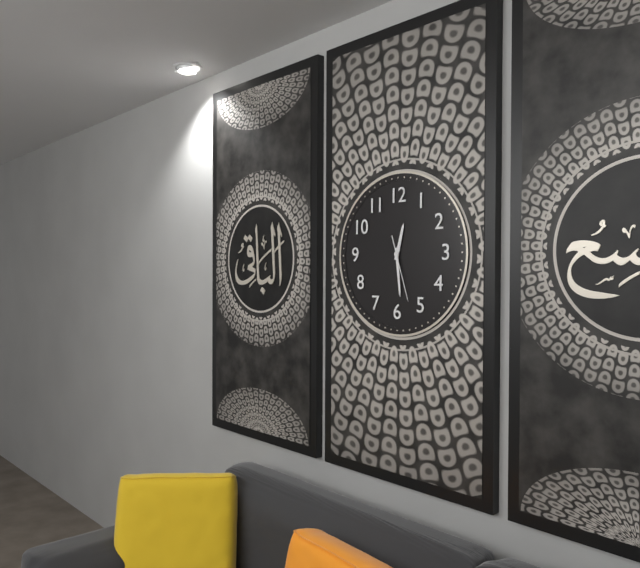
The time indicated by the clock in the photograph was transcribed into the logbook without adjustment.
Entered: 12:29:27
